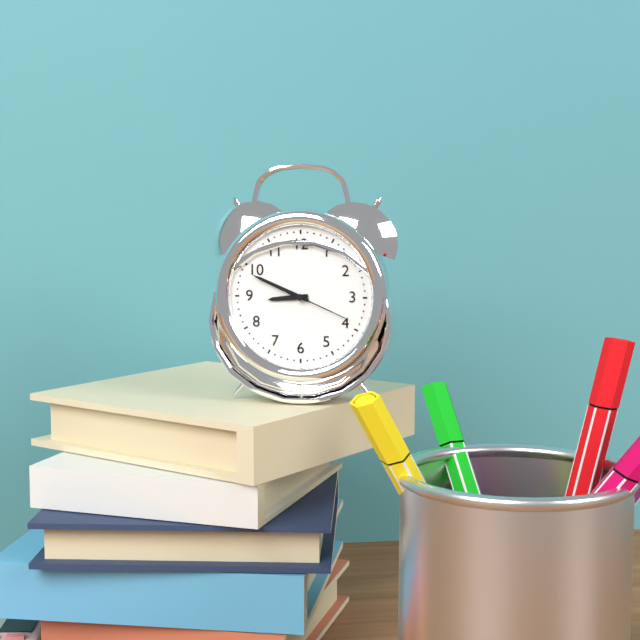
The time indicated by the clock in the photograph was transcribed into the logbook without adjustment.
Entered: 8:49:19
